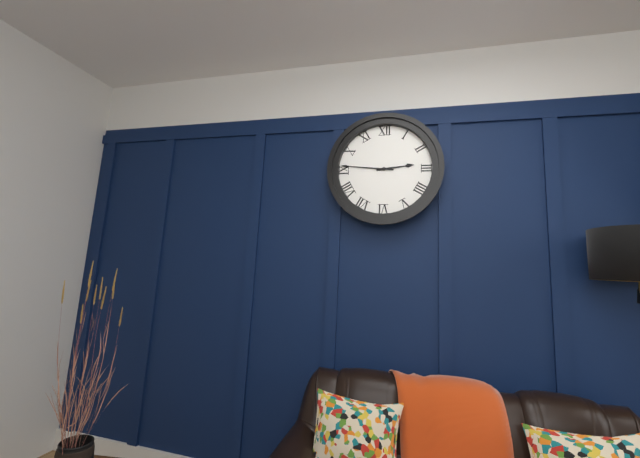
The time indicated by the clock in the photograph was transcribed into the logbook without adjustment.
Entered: 2:46
